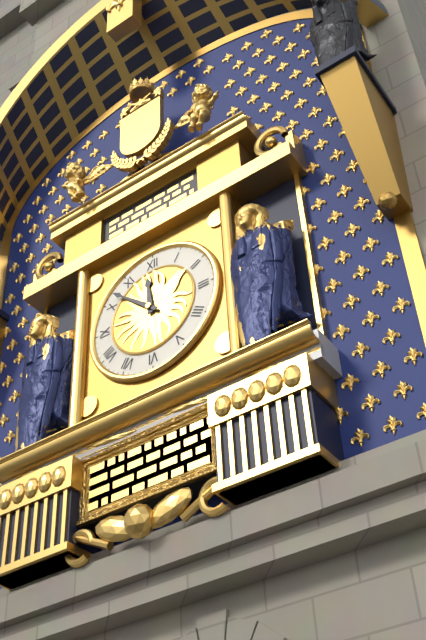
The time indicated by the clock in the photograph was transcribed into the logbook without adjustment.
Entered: 11:52
